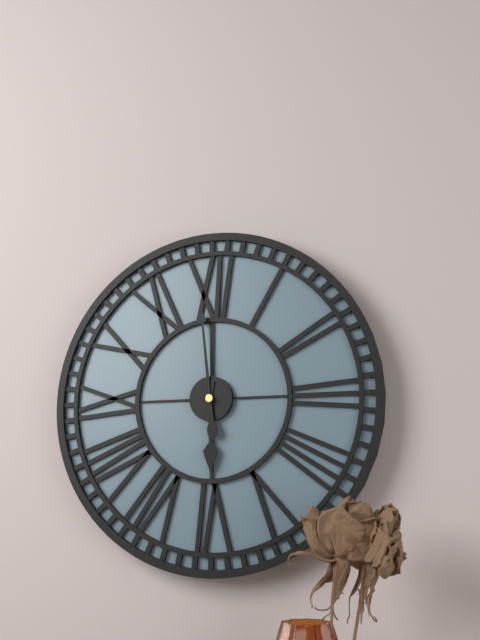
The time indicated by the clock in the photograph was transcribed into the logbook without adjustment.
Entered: 5:59
